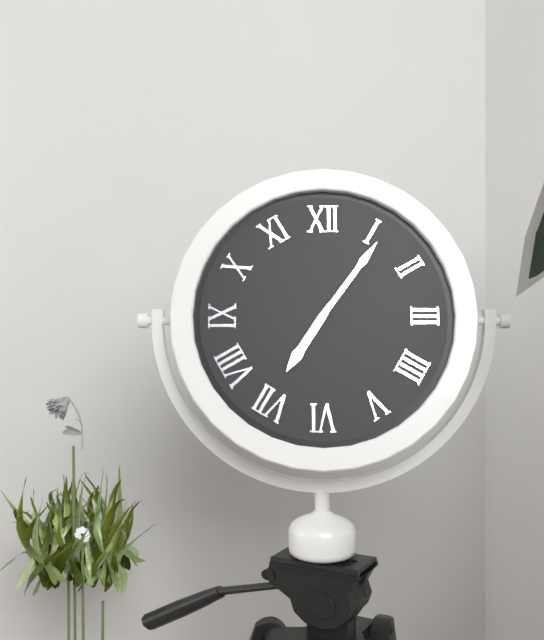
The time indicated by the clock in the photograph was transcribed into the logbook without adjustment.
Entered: 7:06
